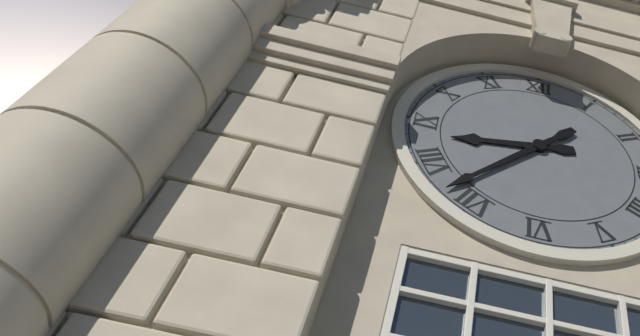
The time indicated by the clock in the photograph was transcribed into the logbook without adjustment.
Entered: 8:37
